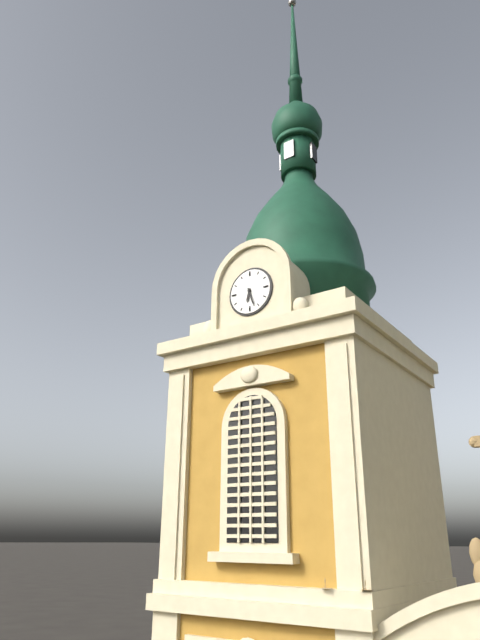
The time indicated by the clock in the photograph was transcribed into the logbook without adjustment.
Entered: 6:27
